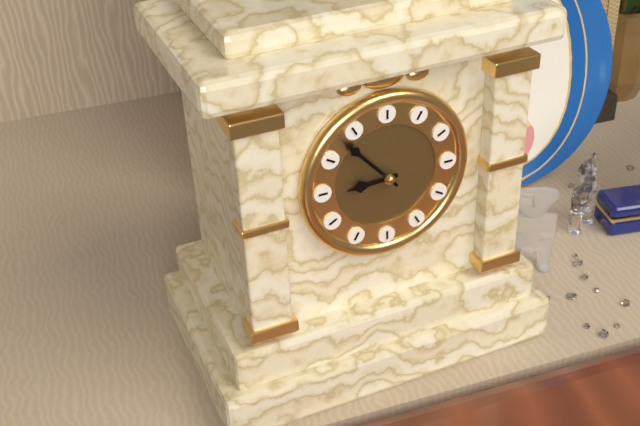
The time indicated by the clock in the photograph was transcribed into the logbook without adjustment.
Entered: 8:53
